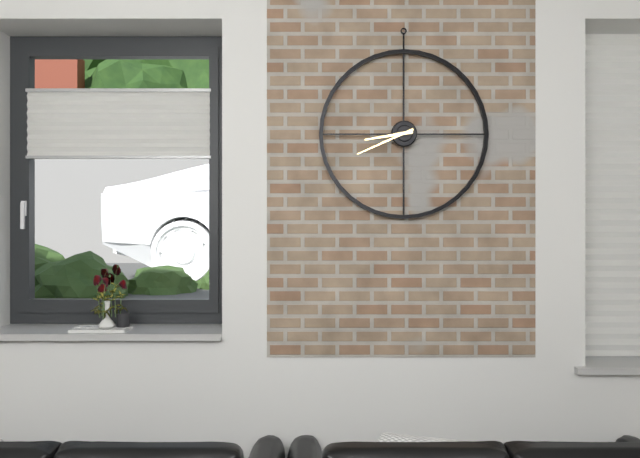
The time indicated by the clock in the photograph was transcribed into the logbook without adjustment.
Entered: 8:41
